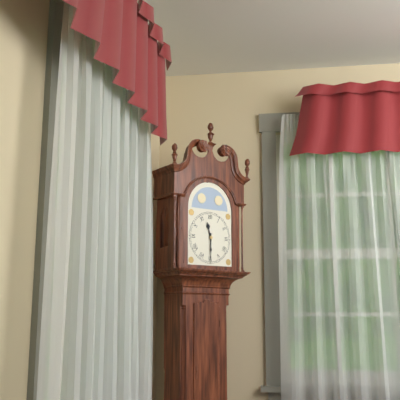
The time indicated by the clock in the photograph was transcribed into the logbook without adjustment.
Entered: 11:30
